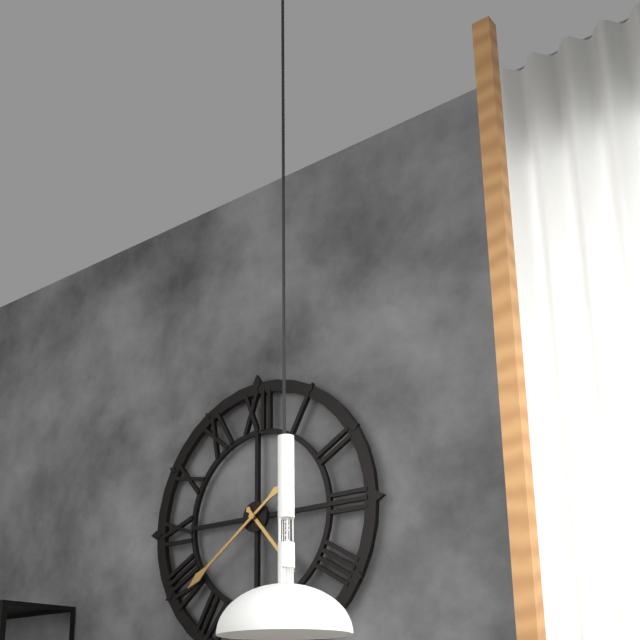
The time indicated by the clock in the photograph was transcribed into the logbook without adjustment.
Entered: 4:39
